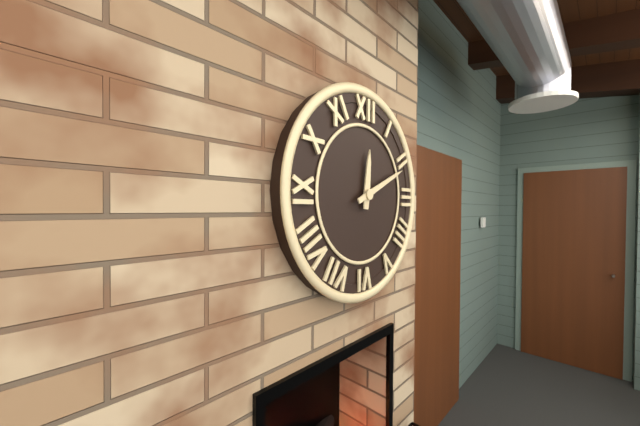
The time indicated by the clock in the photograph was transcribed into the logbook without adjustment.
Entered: 12:11
